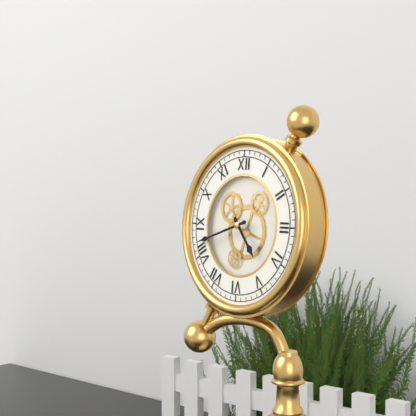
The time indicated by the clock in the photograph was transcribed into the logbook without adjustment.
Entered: 4:42
